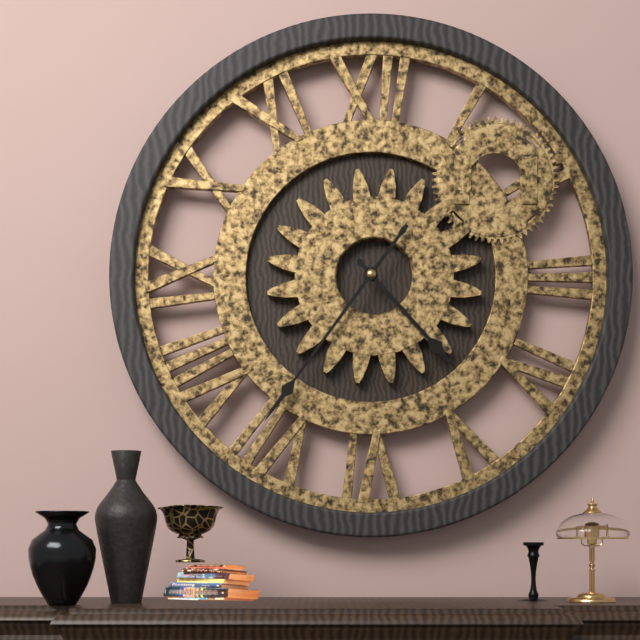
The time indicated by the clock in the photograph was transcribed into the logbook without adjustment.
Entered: 4:36
